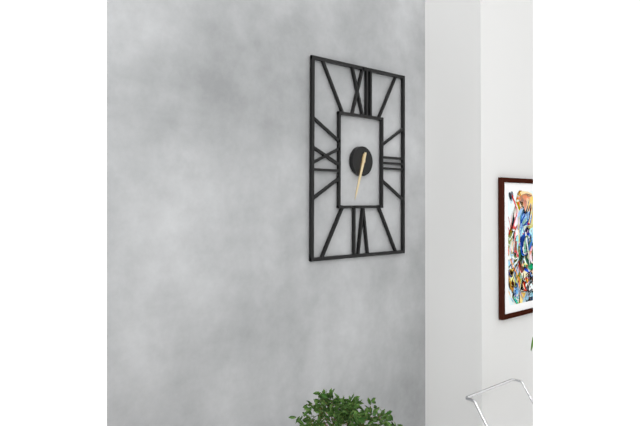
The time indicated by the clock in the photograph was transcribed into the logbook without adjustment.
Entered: 6:33
